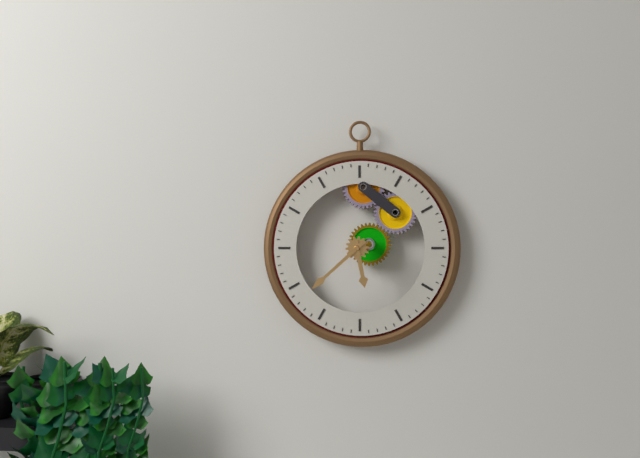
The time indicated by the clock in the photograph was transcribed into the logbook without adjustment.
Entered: 5:38
